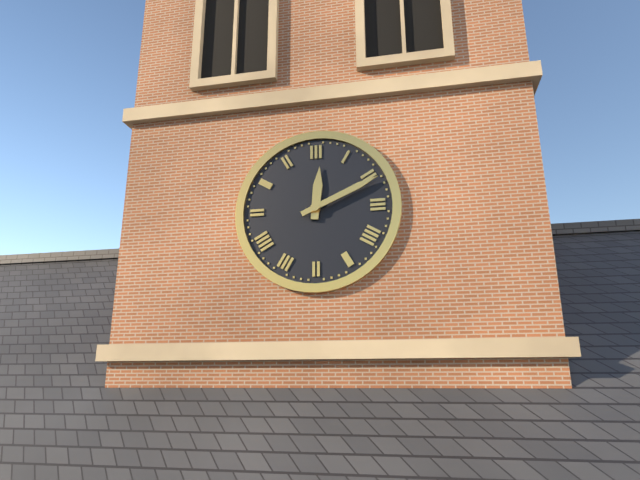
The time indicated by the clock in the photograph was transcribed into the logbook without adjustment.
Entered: 12:11
